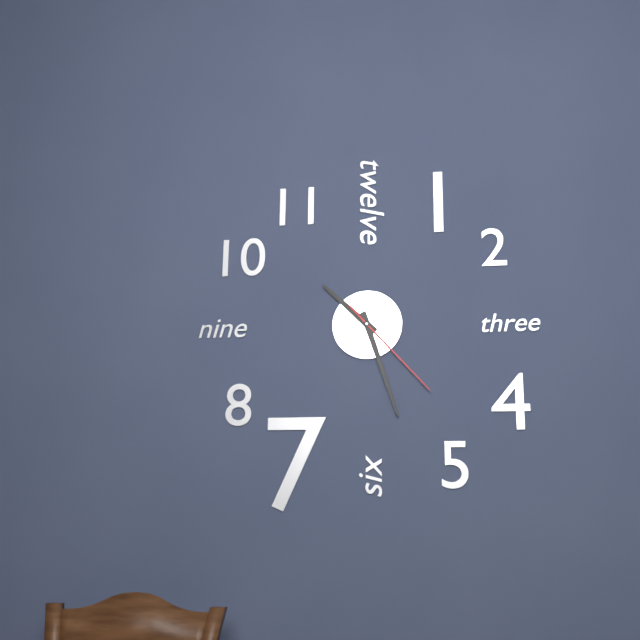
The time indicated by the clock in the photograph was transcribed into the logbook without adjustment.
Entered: 10:27:23
